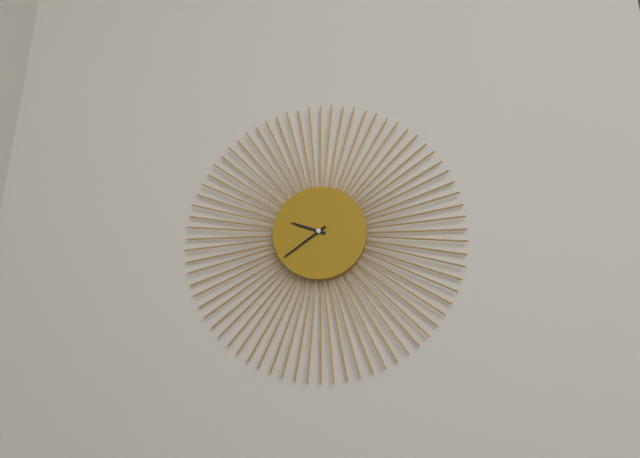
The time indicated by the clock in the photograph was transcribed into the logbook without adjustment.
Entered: 9:39
